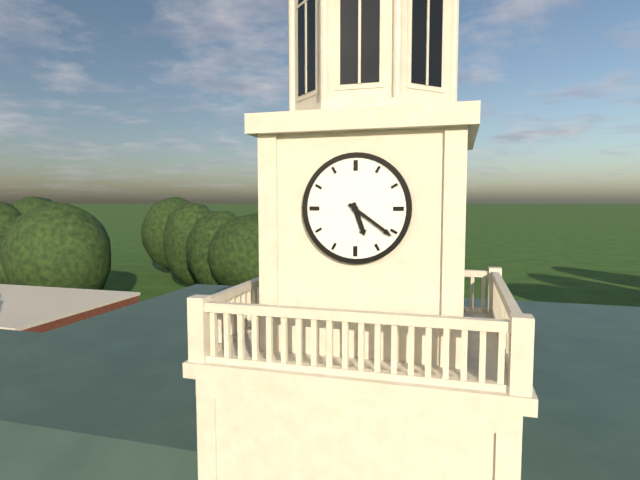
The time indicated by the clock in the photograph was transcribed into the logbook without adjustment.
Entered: 5:21
